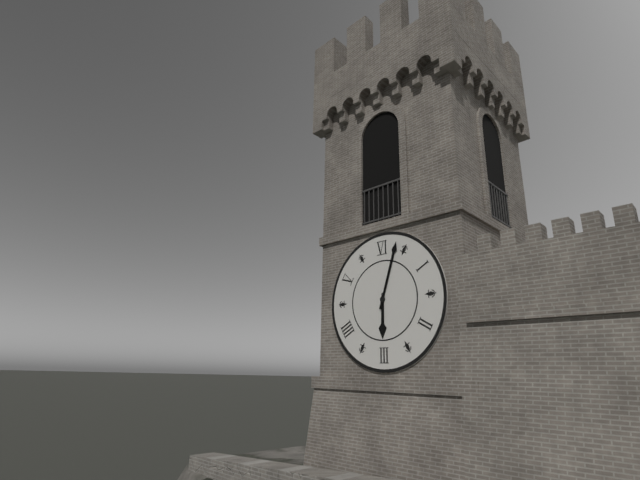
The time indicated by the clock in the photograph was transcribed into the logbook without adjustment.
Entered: 6:03
